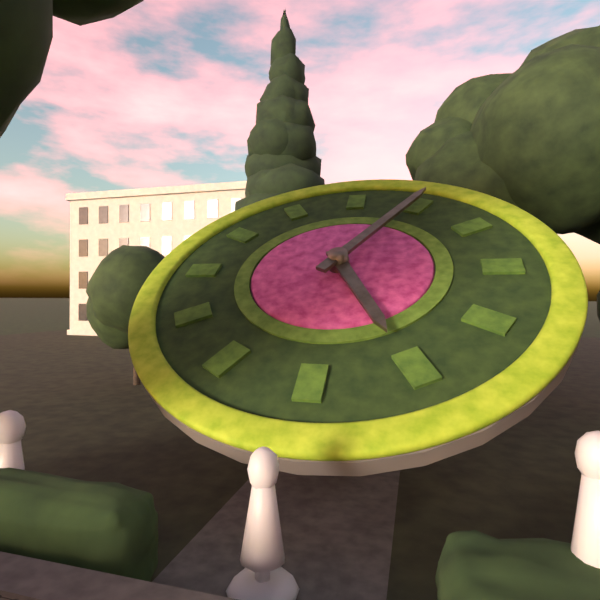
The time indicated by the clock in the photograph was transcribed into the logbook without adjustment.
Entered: 5:05
